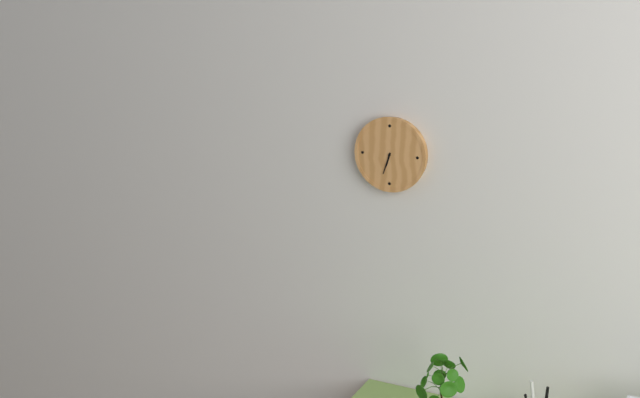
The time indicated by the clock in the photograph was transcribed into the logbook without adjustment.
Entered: 6:33
